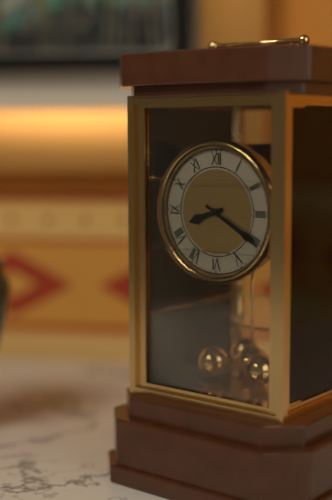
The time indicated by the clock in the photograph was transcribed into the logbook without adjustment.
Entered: 8:20
